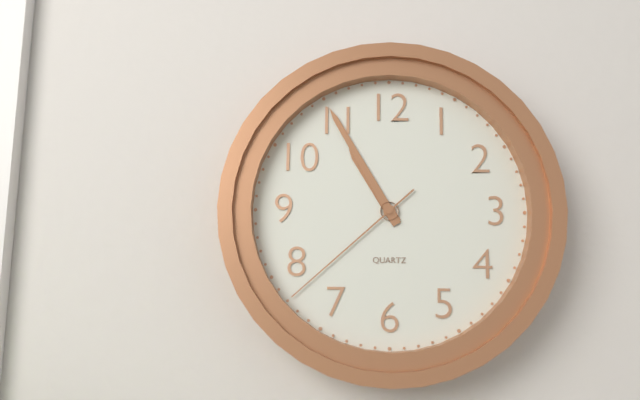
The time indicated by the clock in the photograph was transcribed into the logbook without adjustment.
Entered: 10:55:38
